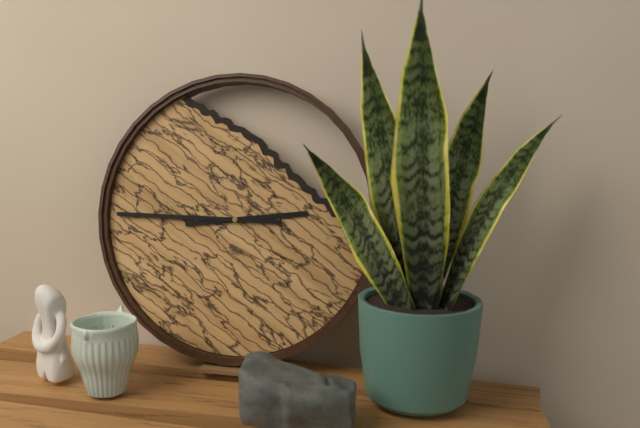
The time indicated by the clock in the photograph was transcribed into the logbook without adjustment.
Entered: 2:45
